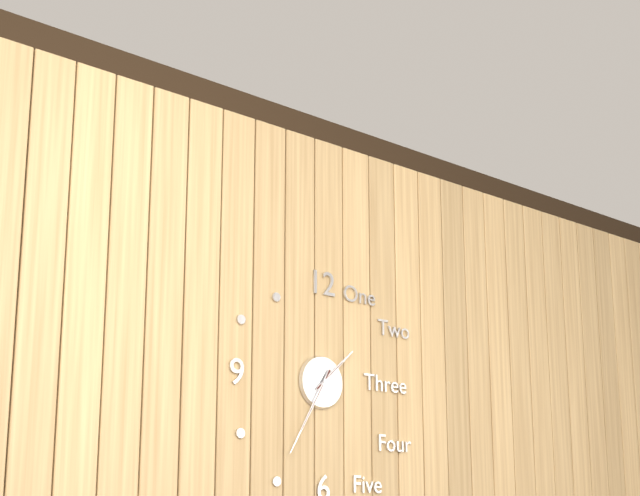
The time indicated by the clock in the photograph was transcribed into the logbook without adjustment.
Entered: 1:35
